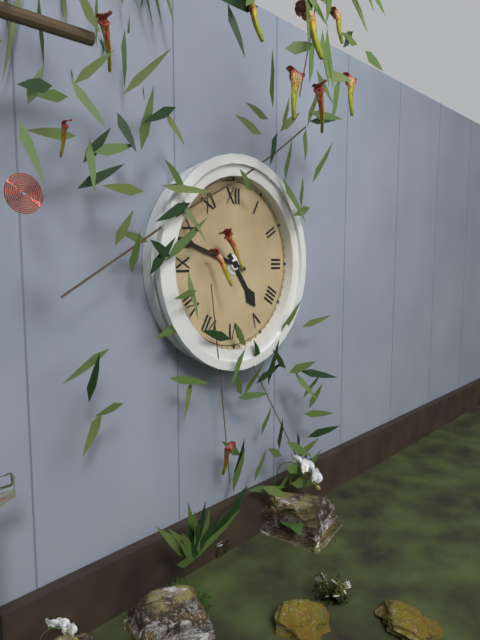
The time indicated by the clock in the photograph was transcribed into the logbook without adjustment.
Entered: 4:48
